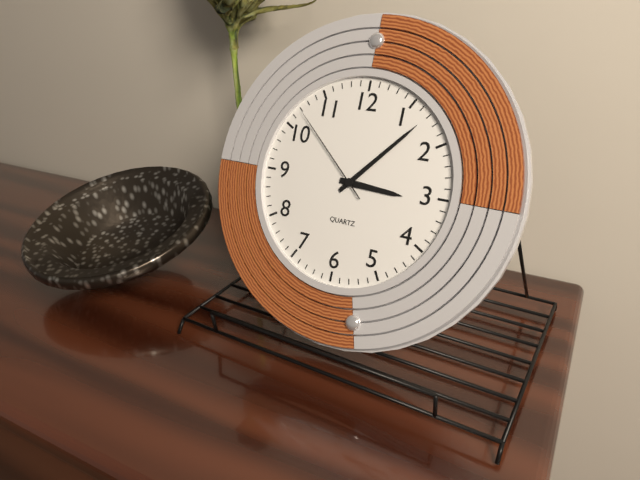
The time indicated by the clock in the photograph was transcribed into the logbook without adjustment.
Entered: 3:07:52
